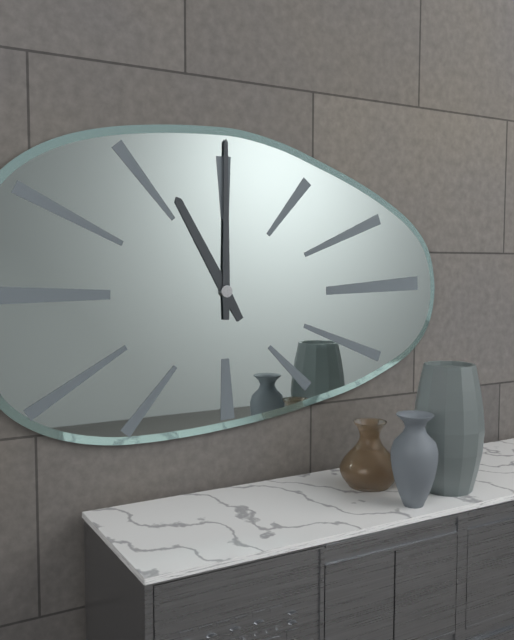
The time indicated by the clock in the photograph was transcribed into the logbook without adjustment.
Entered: 11:00
